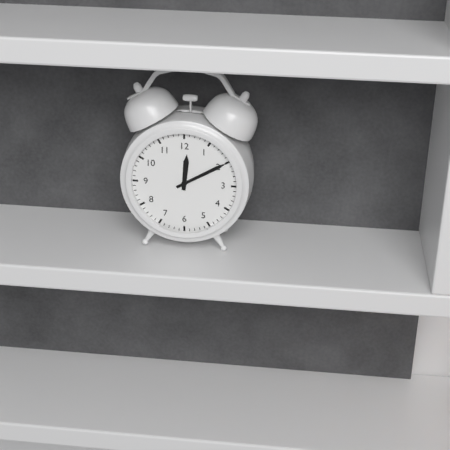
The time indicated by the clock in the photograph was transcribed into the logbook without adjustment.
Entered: 12:10
